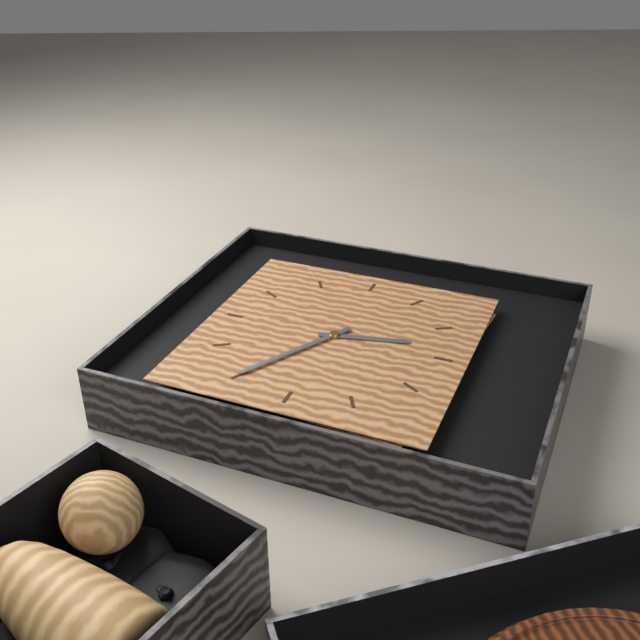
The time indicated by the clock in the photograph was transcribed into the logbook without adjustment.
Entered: 2:35
